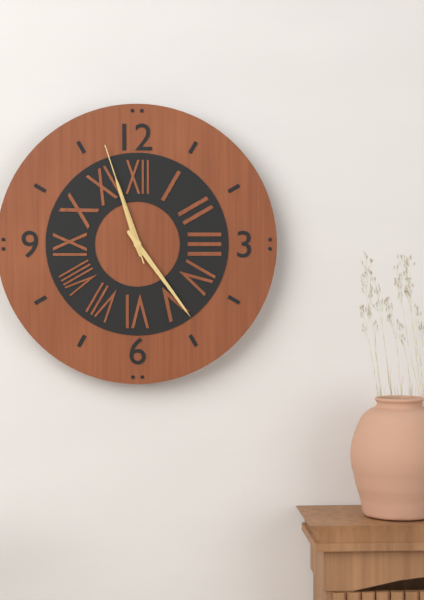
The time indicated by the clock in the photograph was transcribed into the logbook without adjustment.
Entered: 11:24:57
